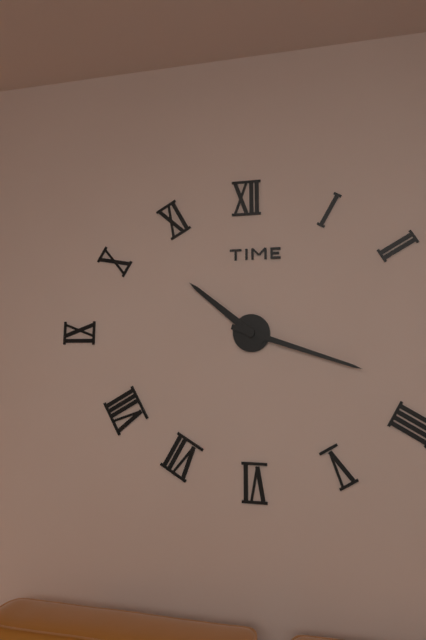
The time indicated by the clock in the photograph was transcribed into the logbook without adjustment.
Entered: 10:18
